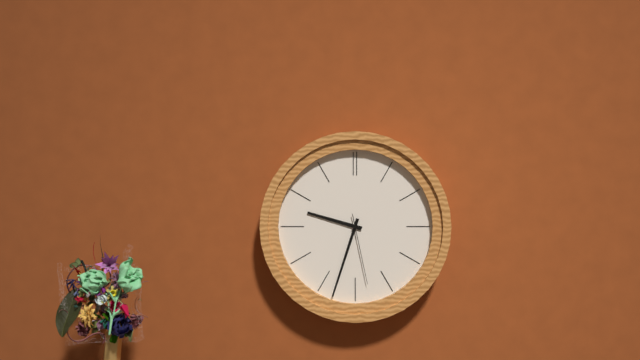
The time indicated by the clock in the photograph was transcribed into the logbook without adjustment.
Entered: 9:33:28
